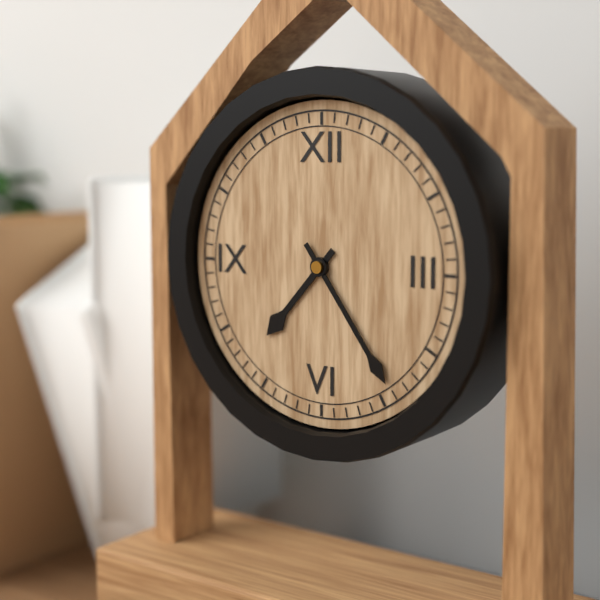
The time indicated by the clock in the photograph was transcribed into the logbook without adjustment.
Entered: 7:24
